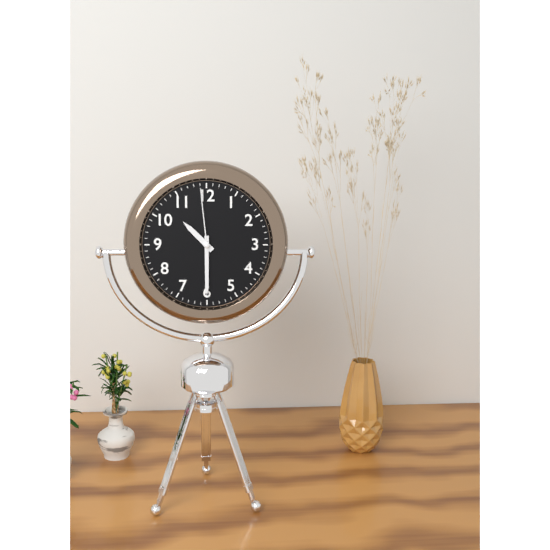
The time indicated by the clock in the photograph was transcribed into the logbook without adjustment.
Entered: 10:30:59
